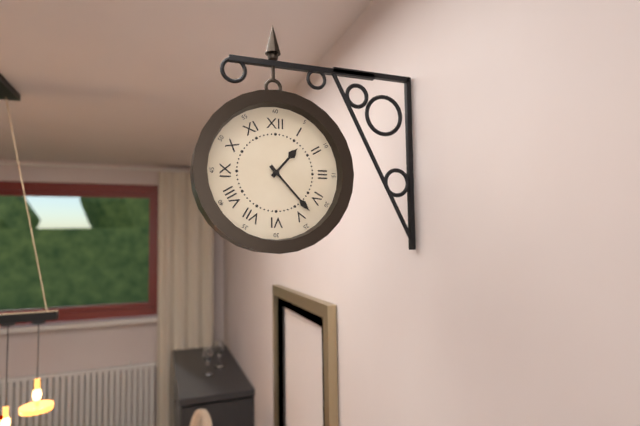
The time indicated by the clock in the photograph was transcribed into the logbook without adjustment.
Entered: 1:23
